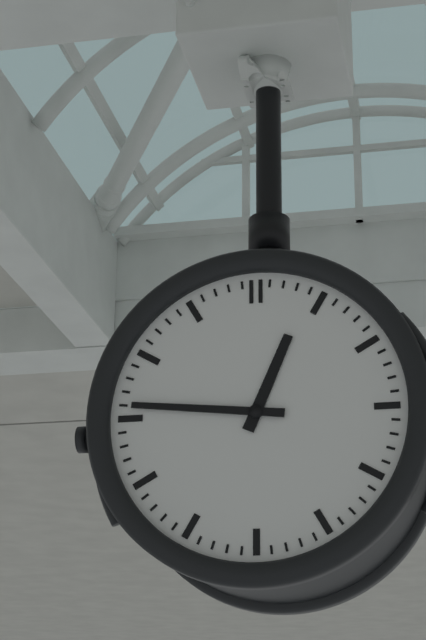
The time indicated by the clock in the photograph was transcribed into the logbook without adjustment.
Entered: 12:46
